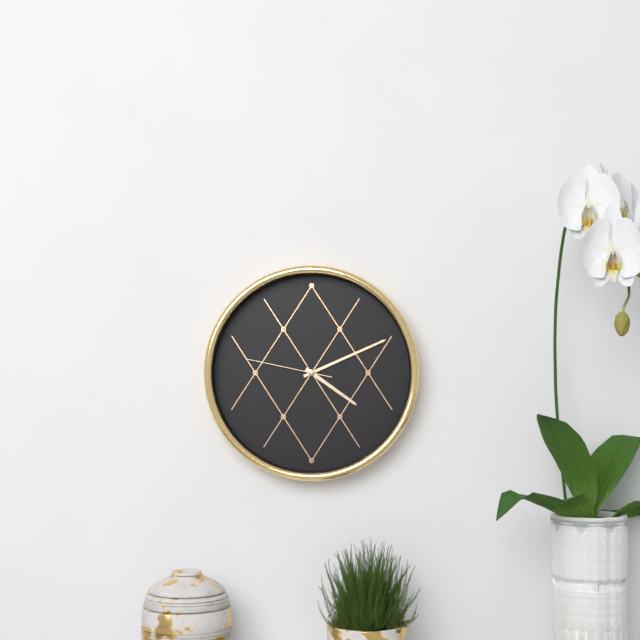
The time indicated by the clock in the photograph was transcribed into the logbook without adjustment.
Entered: 4:11:47
